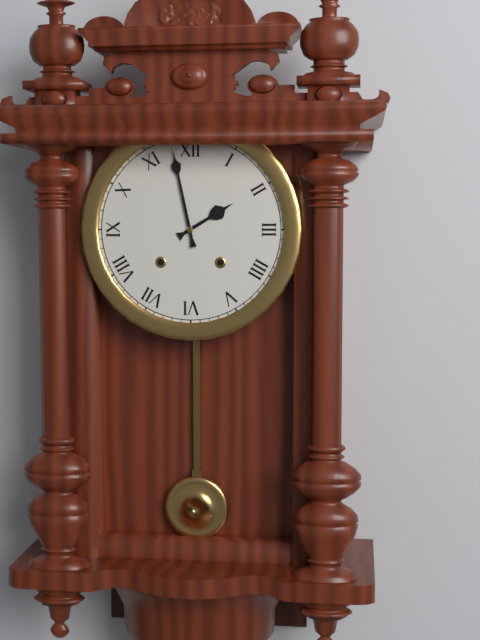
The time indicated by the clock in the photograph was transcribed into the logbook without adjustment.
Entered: 1:58
